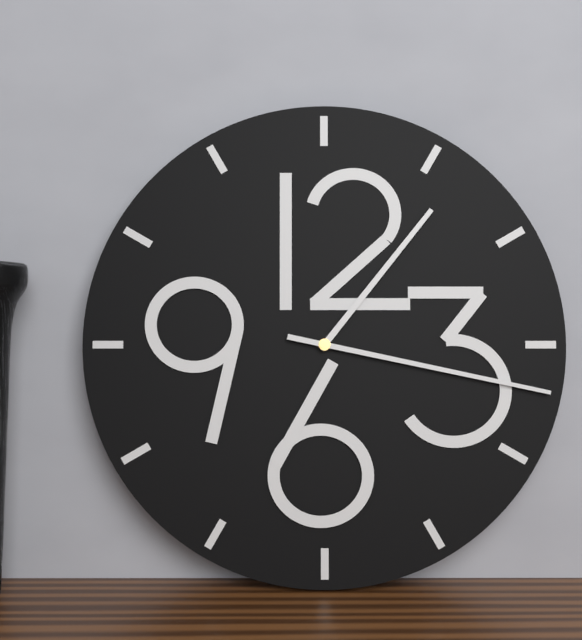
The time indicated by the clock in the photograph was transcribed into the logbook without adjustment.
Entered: 1:17
